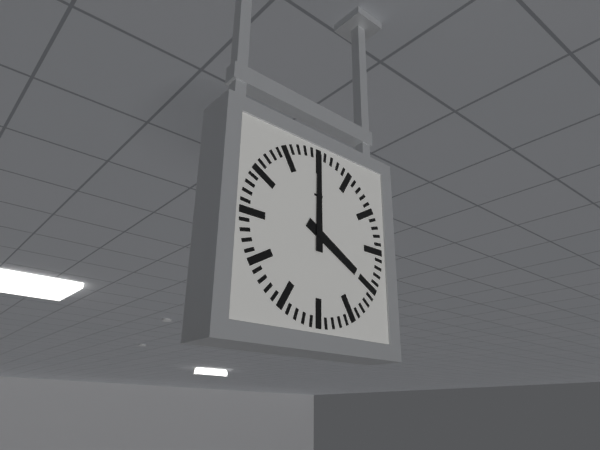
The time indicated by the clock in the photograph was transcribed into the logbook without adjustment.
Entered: 4:00
